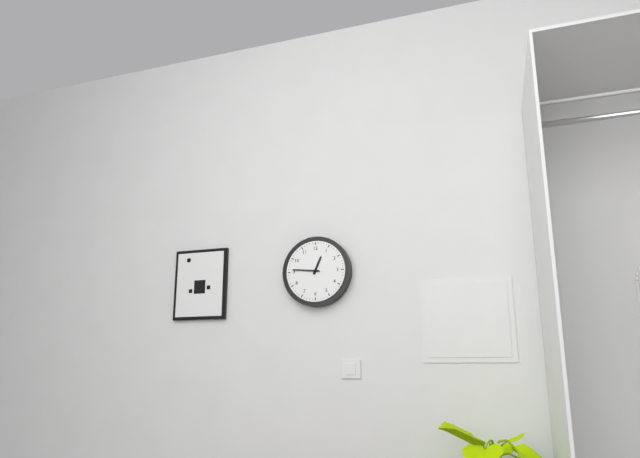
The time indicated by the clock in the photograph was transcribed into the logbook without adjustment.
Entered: 12:46
